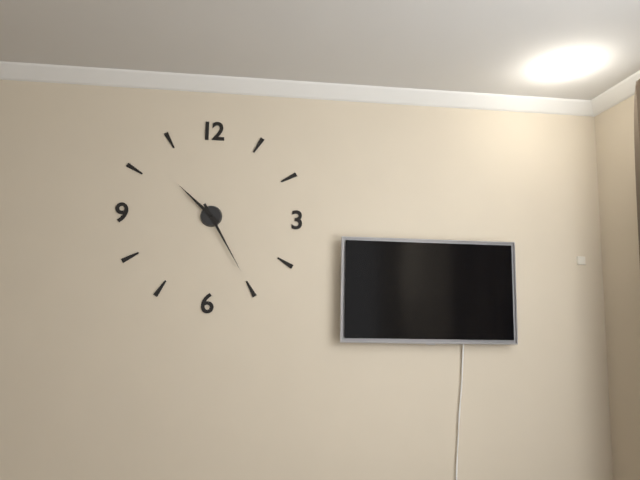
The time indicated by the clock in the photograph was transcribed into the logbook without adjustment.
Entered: 10:25
